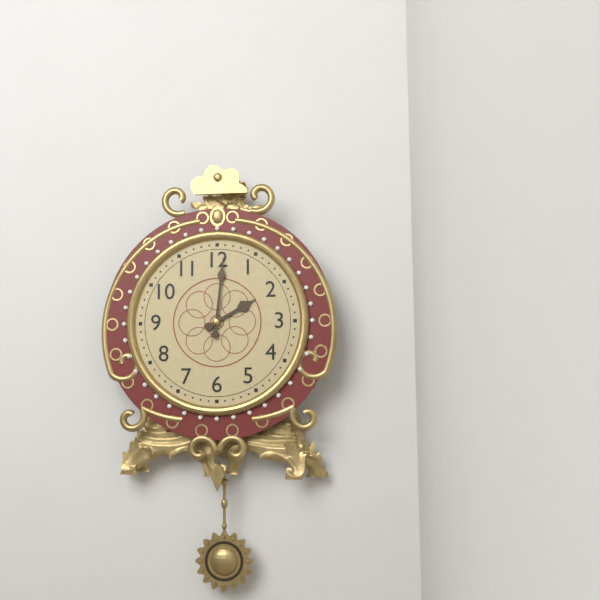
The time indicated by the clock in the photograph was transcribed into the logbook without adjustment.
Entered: 2:01
